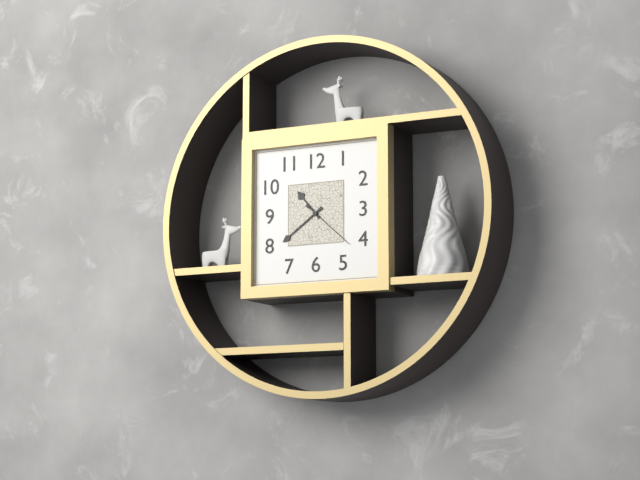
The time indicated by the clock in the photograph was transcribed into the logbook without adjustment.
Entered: 10:39:22
